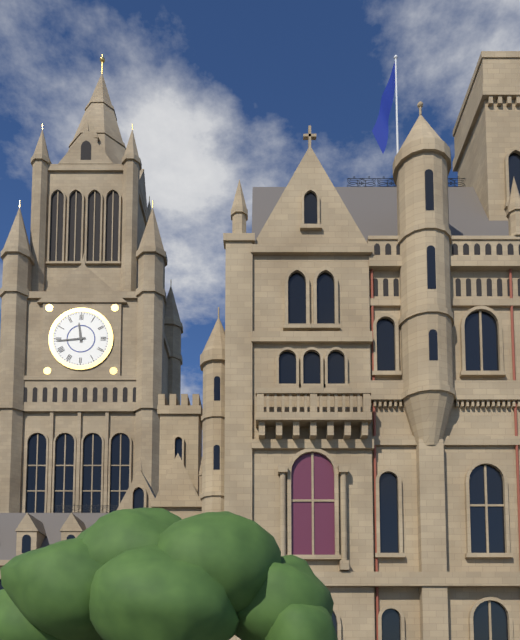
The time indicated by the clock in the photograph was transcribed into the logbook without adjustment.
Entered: 11:44
